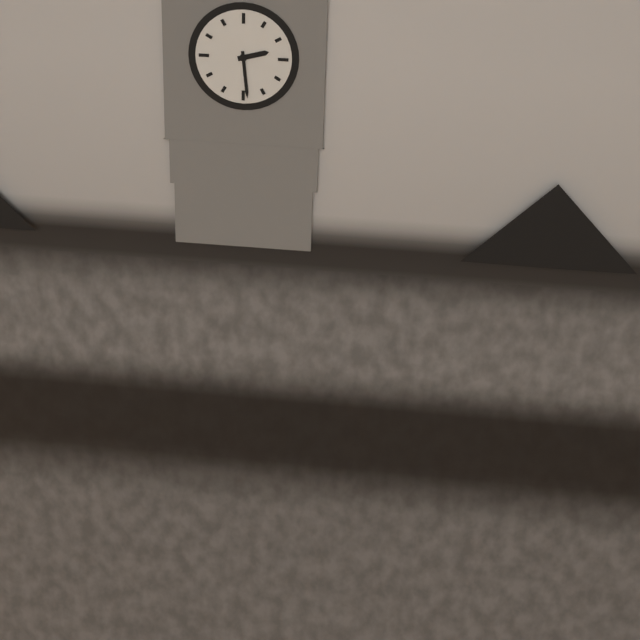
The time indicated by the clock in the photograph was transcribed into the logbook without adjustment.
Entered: 2:29
